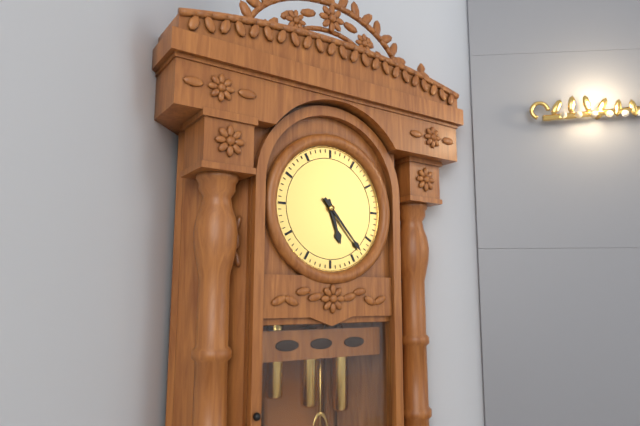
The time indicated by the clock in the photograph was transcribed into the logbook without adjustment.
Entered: 5:23
